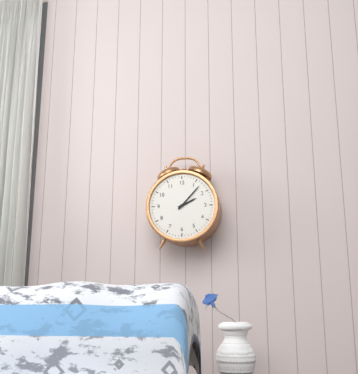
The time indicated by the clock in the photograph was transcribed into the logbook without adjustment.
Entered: 2:07
